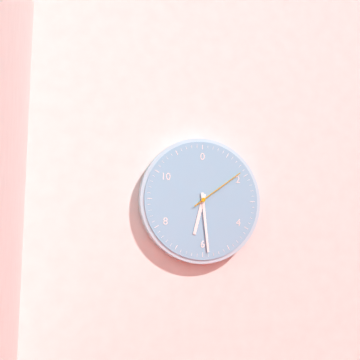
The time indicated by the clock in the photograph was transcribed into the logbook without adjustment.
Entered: 6:29:09
